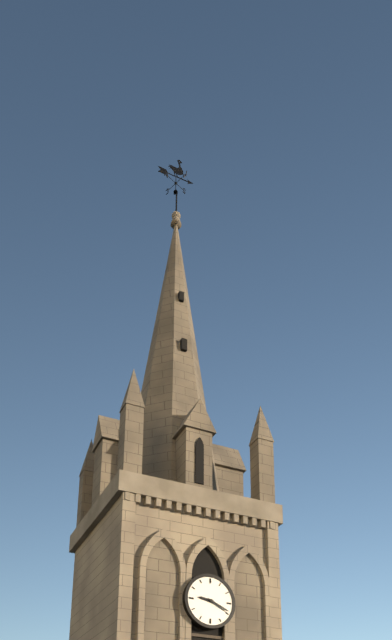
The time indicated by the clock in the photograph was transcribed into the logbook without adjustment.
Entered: 9:19
